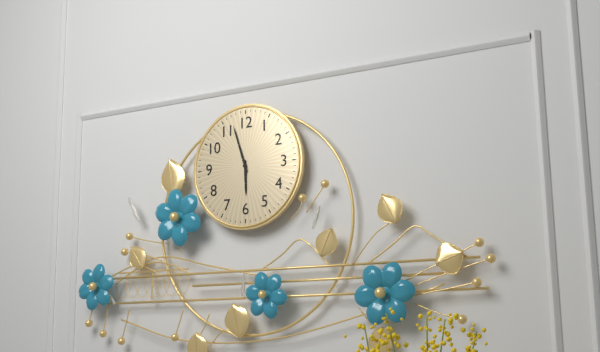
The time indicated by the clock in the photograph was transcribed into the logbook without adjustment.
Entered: 5:57
